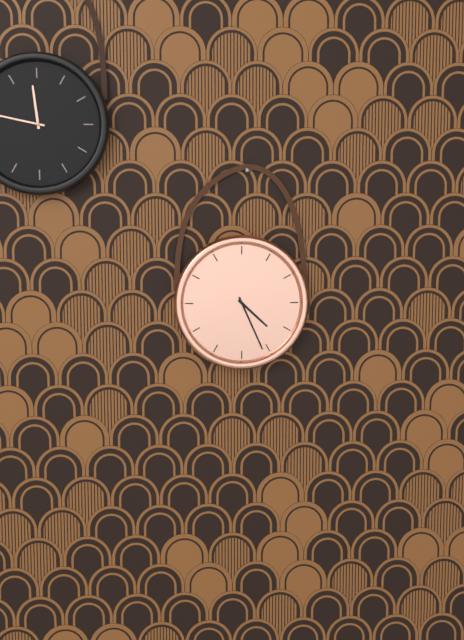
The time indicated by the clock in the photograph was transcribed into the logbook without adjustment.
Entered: 4:26
